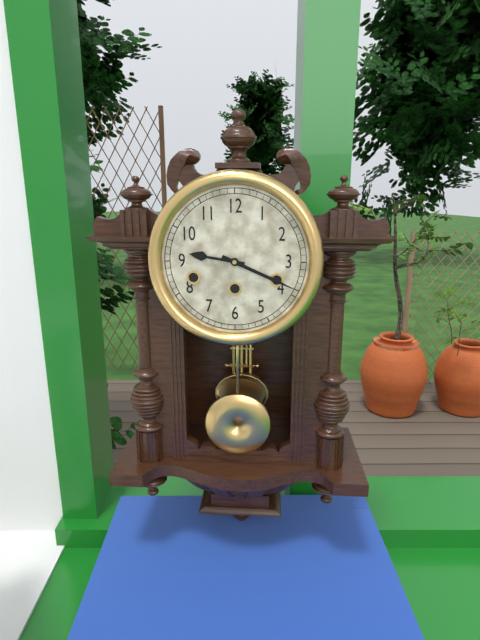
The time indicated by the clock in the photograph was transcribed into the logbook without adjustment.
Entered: 9:19
